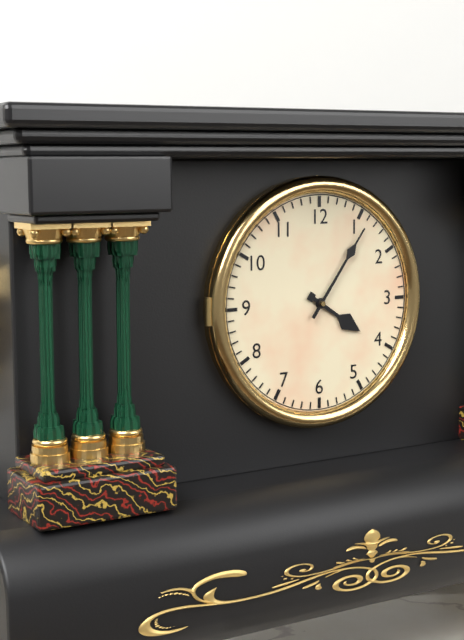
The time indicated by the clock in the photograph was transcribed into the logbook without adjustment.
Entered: 4:06
